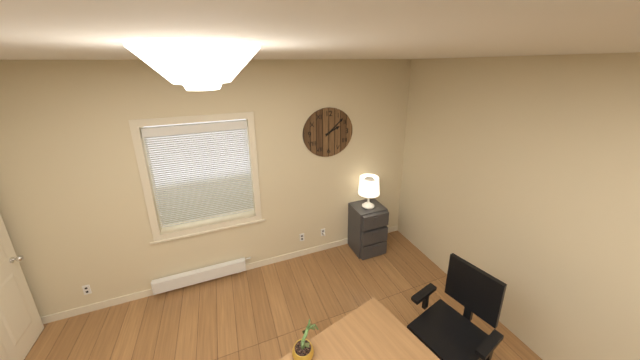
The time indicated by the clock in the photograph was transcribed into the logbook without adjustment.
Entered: 2:08
